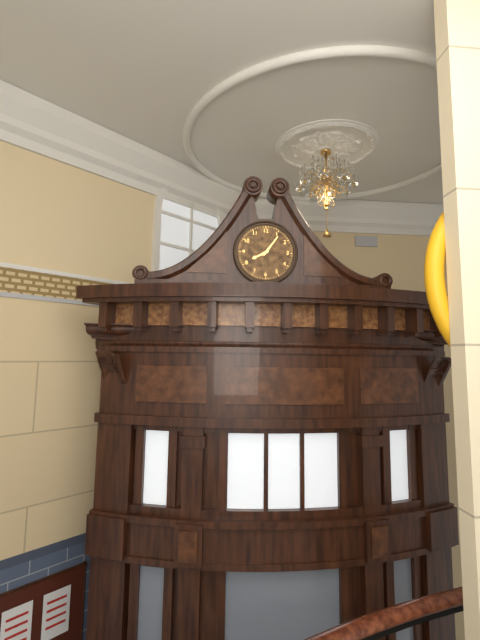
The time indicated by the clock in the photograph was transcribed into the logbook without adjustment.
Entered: 8:06
